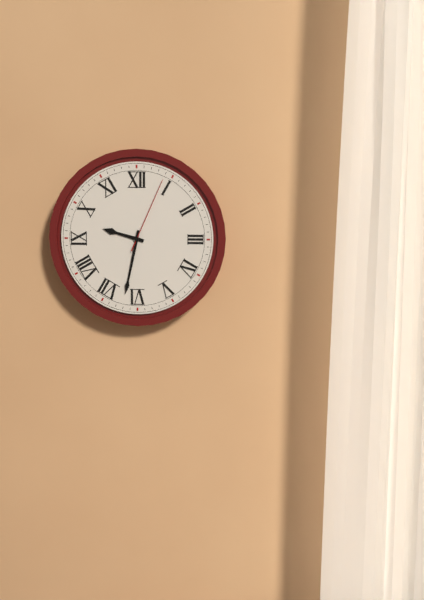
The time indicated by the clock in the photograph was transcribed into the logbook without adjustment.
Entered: 9:32:04
